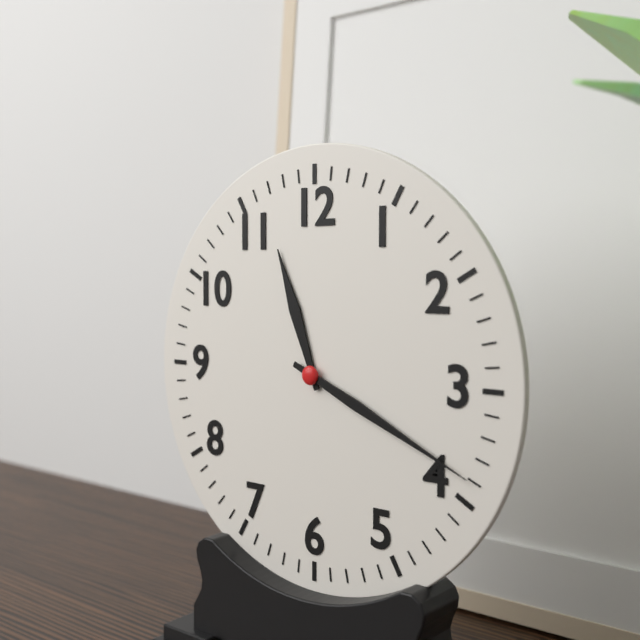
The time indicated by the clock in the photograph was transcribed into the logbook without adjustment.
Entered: 11:19
